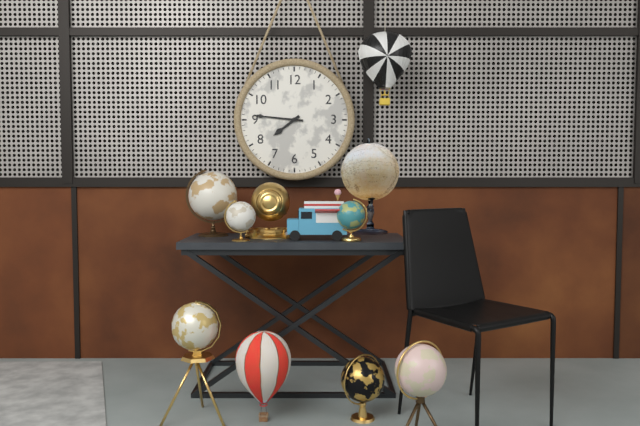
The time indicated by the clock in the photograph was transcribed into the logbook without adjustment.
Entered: 7:46
